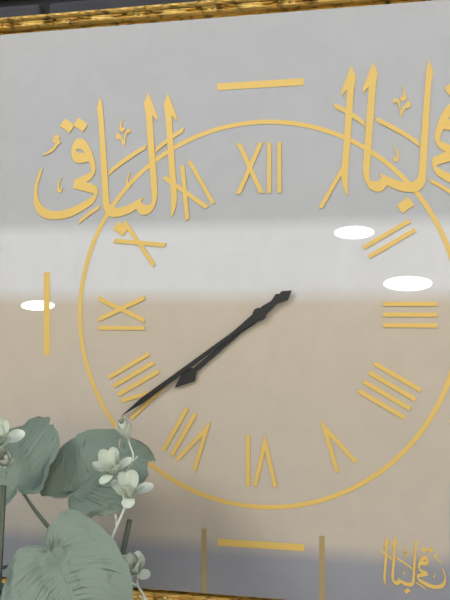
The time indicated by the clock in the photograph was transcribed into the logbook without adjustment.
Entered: 7:39
